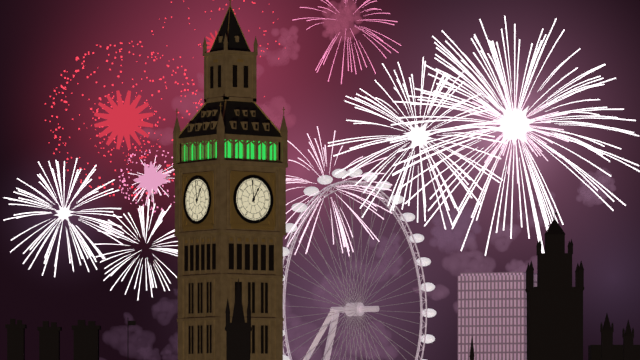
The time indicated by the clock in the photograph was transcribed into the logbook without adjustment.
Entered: 12:59
